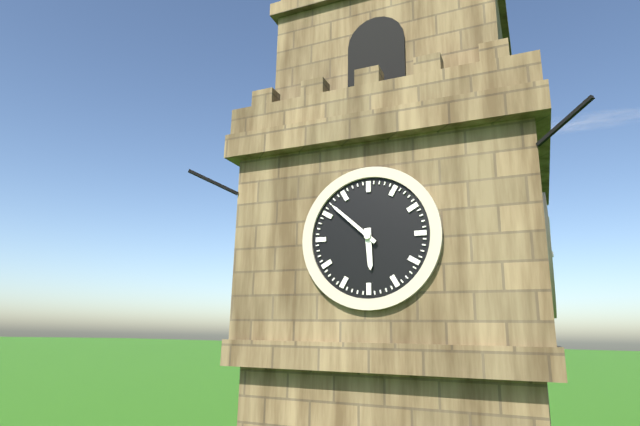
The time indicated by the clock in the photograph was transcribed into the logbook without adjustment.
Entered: 5:52
